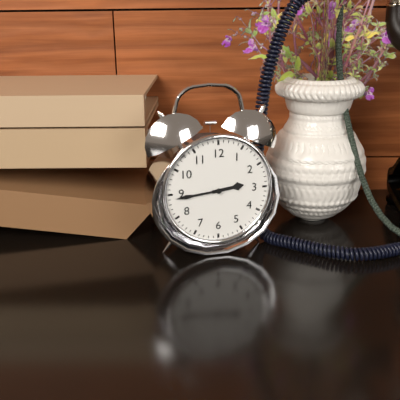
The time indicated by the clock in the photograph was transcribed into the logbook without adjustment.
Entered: 2:44
